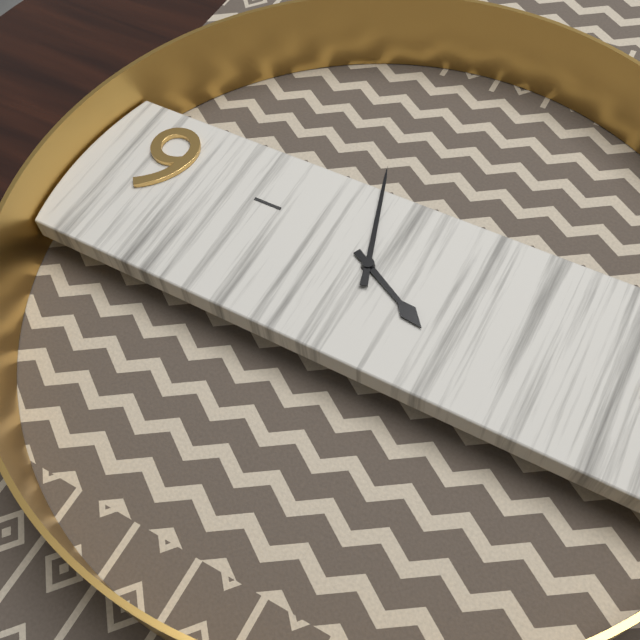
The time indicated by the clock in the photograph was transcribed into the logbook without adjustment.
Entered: 3:57
